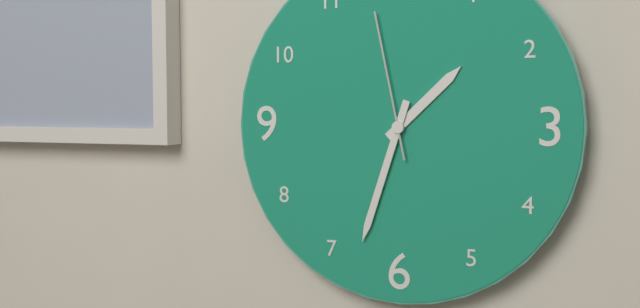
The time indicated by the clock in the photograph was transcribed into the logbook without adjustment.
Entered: 1:33:58
